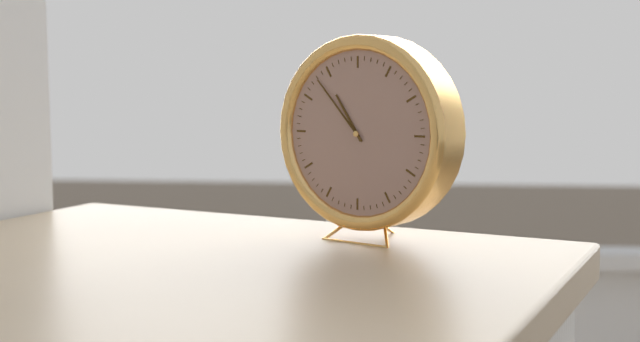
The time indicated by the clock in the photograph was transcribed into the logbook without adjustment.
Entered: 10:53
